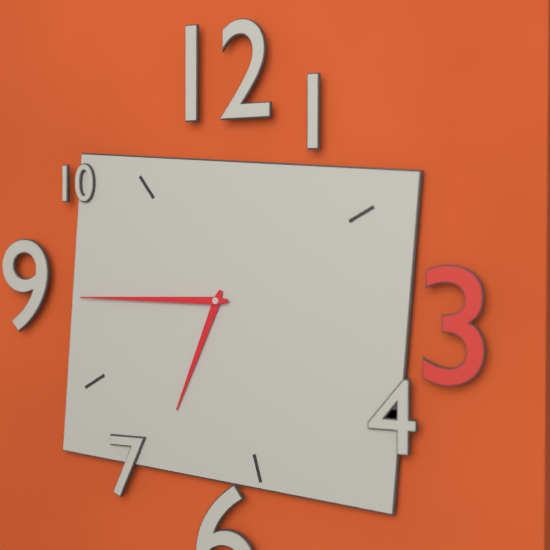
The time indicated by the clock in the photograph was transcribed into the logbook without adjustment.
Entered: 6:45
